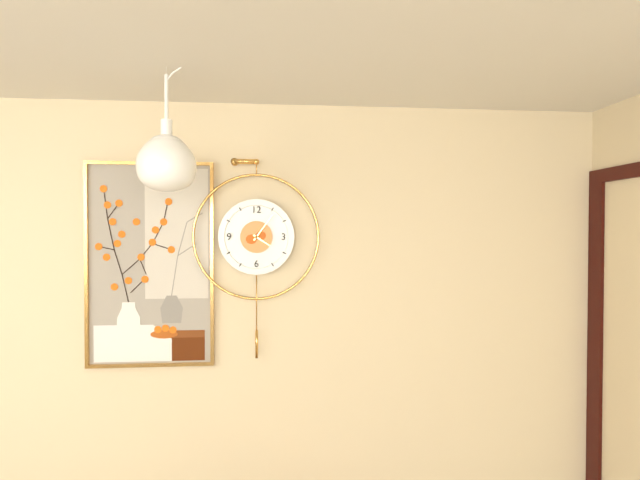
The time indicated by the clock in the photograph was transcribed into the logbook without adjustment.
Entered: 4:06
